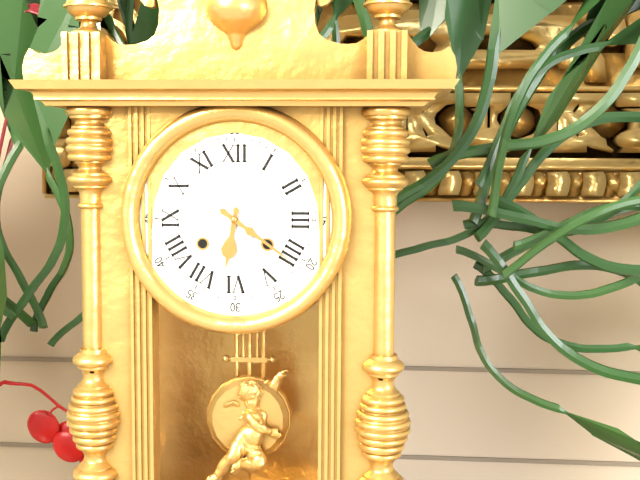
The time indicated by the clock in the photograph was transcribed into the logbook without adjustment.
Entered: 6:21
